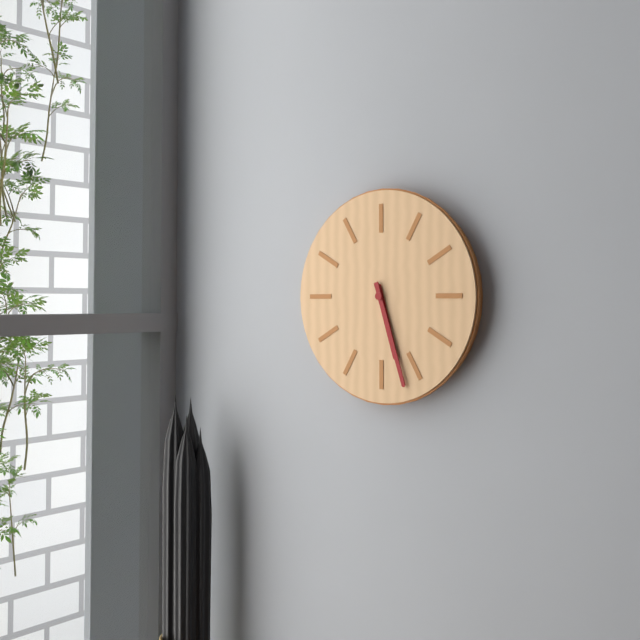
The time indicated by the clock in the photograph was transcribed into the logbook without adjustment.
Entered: 5:27
